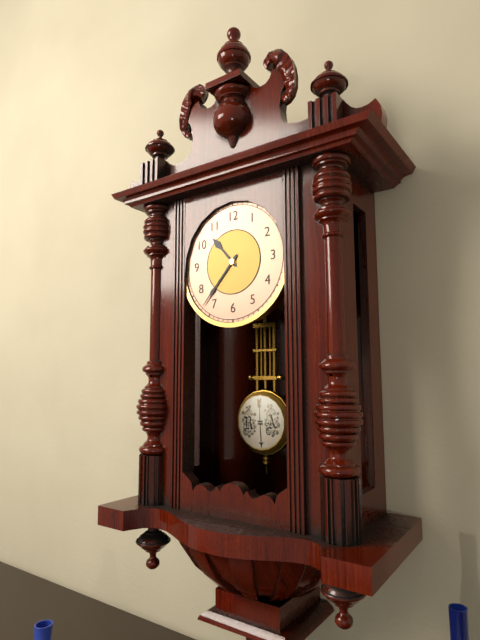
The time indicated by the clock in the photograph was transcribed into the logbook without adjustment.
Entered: 10:37
